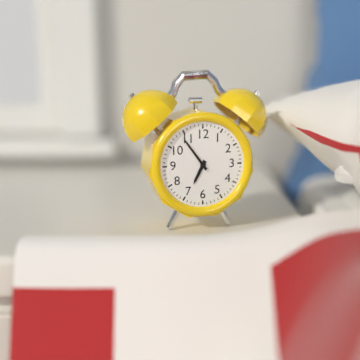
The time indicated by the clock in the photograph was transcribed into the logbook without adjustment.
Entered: 6:54
